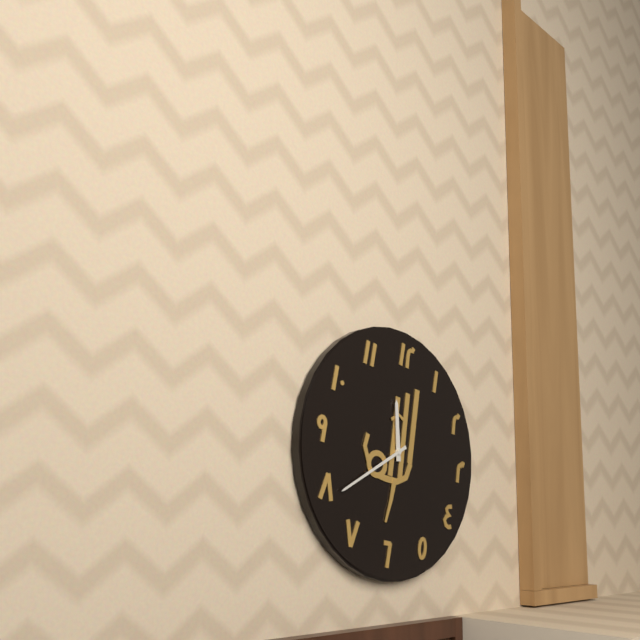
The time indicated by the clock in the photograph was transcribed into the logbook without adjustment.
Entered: 11:39
